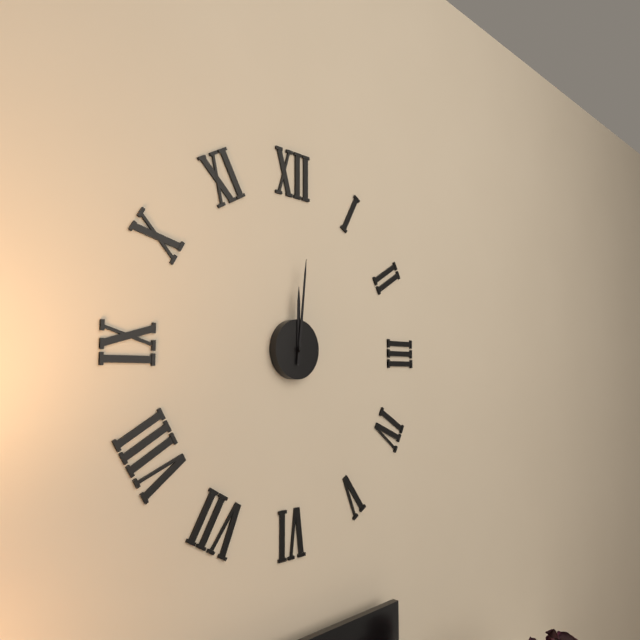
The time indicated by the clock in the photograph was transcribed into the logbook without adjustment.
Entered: 12:01
